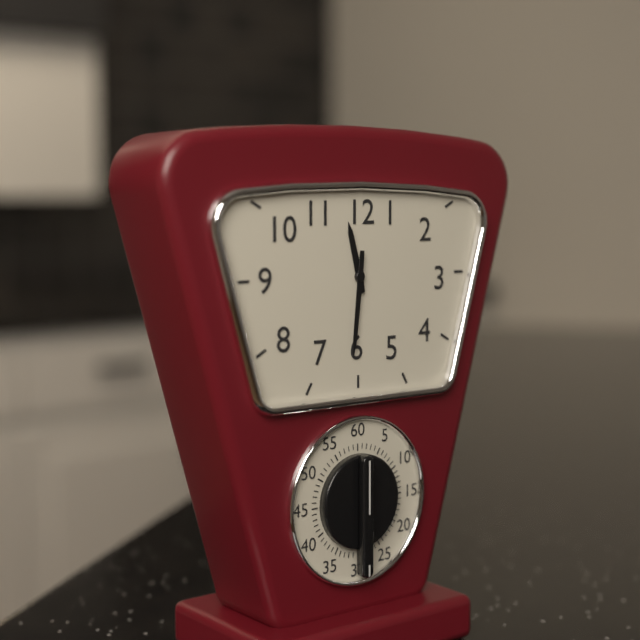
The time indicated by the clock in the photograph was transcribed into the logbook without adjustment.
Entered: 11:31
